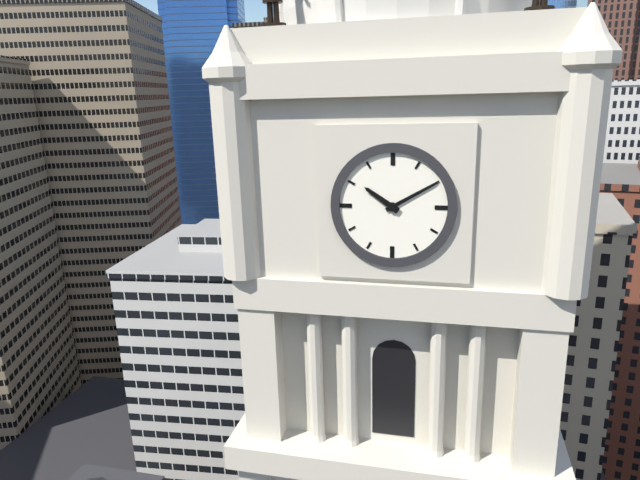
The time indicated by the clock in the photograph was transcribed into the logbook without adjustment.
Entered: 10:10
